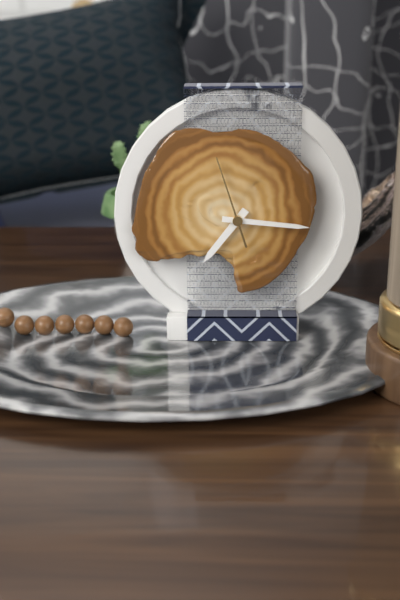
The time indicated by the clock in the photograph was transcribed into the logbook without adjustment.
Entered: 7:16:57
